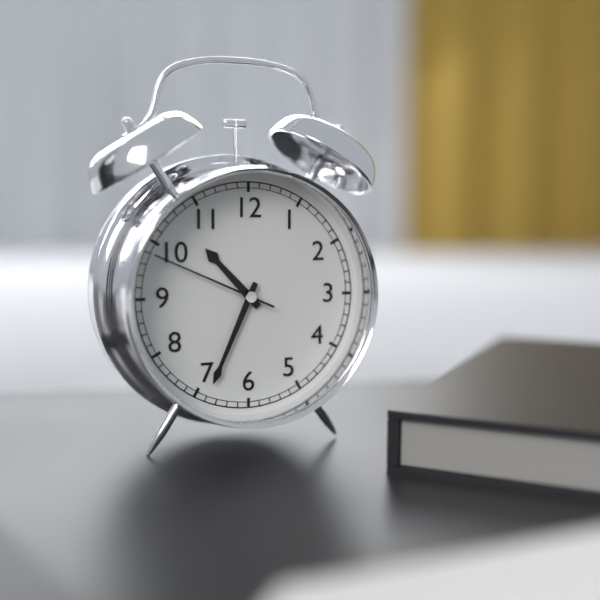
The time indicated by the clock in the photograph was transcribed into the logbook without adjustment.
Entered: 10:34:49
